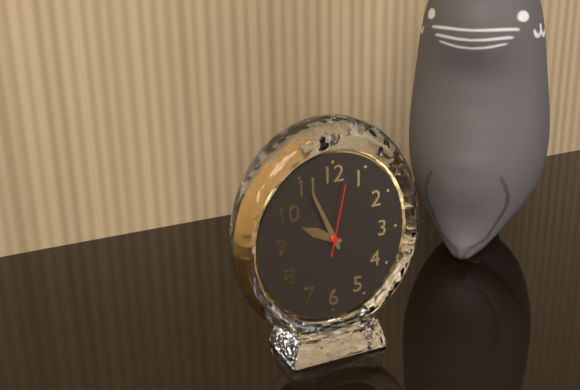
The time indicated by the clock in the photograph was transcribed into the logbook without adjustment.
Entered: 9:56:02
